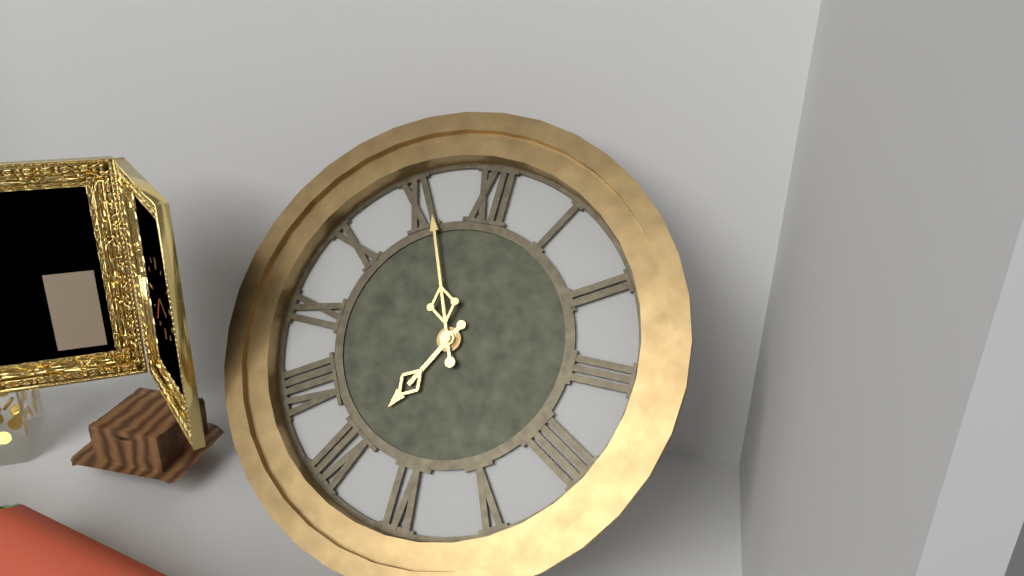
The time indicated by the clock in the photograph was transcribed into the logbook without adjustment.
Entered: 6:56
